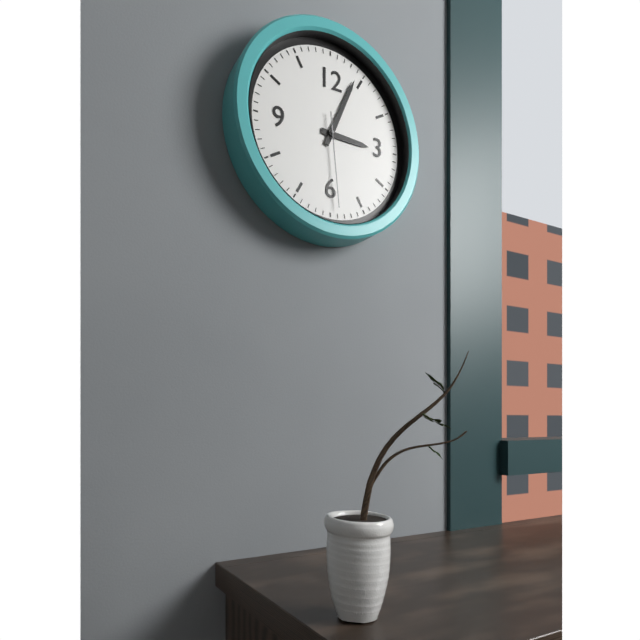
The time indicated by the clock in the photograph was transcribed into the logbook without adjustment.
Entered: 3:04:29
